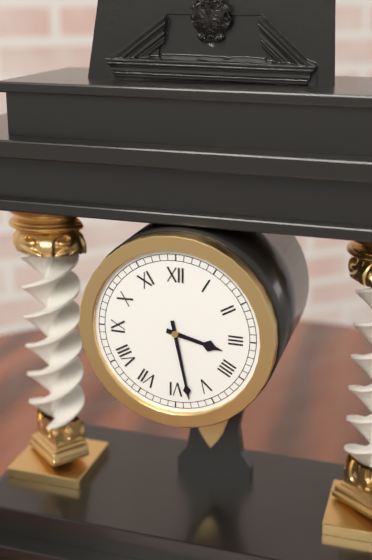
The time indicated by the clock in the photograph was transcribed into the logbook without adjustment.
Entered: 3:28
